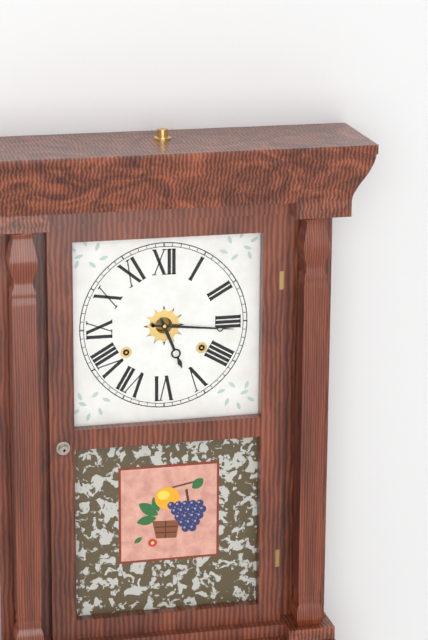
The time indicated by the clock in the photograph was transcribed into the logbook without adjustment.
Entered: 5:16
